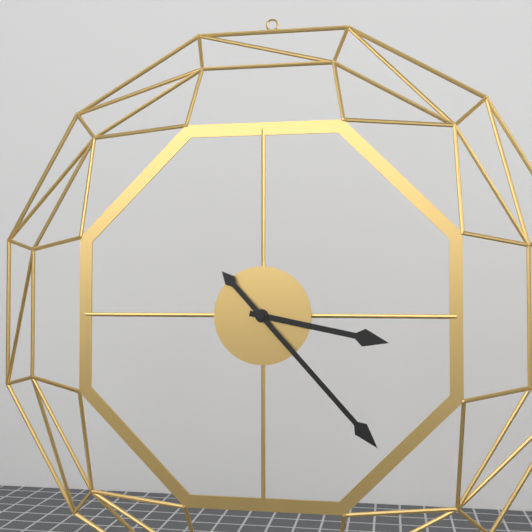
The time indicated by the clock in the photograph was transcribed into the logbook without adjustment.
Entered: 3:23
